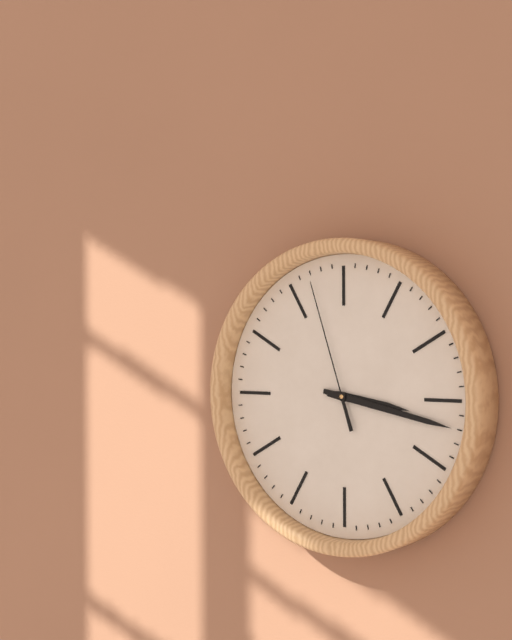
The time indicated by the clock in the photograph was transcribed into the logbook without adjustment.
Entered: 3:17:57
